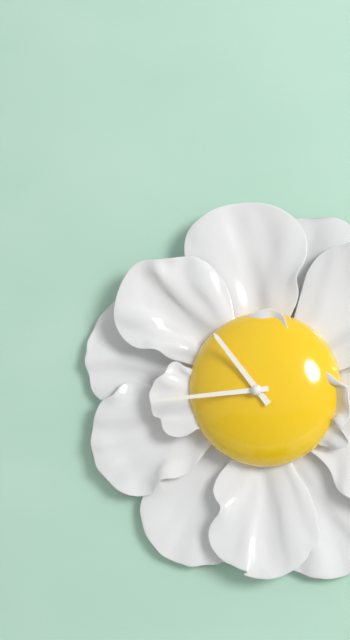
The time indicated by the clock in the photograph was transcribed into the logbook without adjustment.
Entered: 10:44
